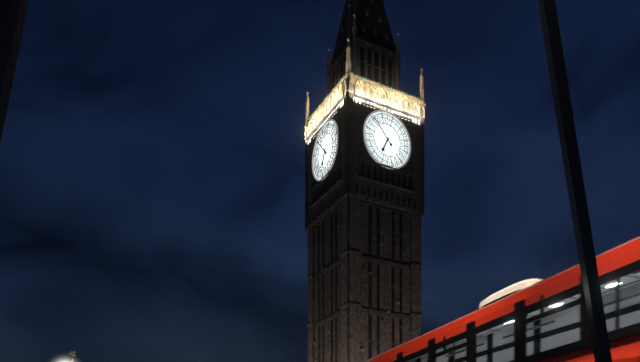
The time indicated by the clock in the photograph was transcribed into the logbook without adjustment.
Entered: 6:53
